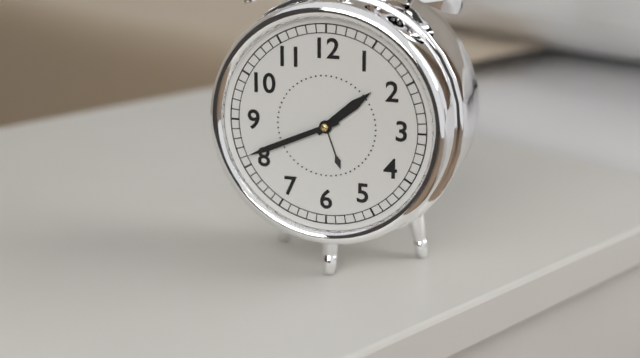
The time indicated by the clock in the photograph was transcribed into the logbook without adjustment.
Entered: 1:41
